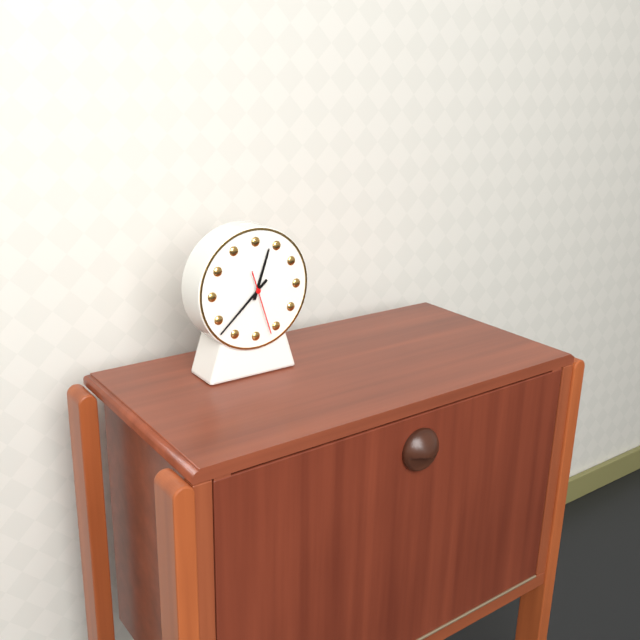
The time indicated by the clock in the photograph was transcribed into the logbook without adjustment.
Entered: 12:38:27
